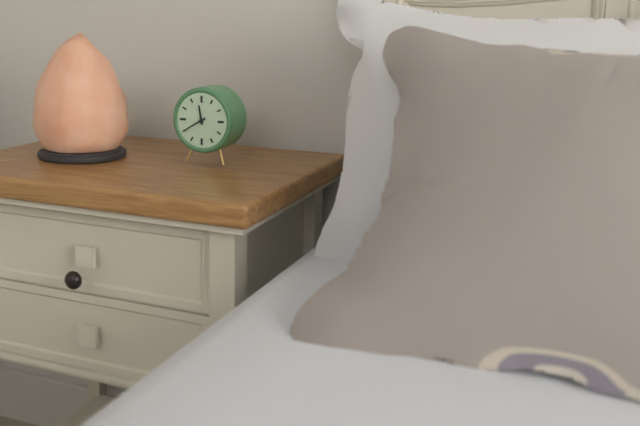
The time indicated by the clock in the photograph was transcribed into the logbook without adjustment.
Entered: 11:40
